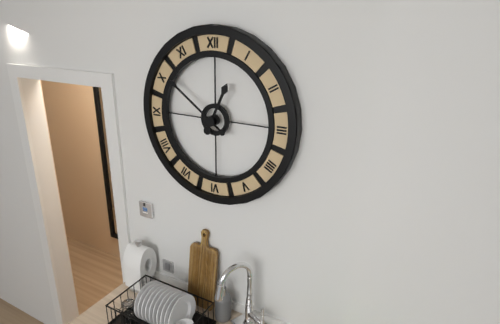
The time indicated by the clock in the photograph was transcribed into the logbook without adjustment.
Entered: 12:51
